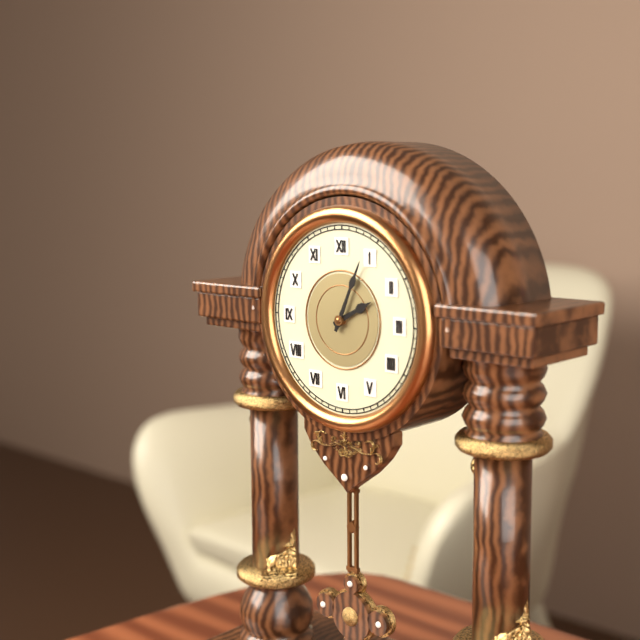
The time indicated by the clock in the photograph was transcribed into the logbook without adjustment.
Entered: 2:04
